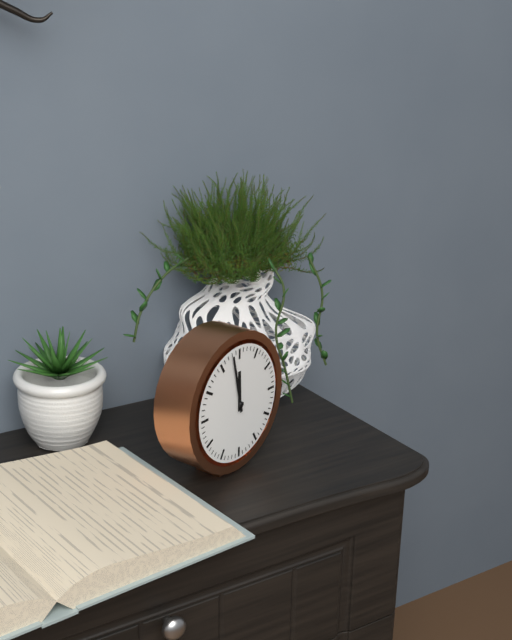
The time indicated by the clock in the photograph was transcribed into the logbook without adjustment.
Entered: 11:58
